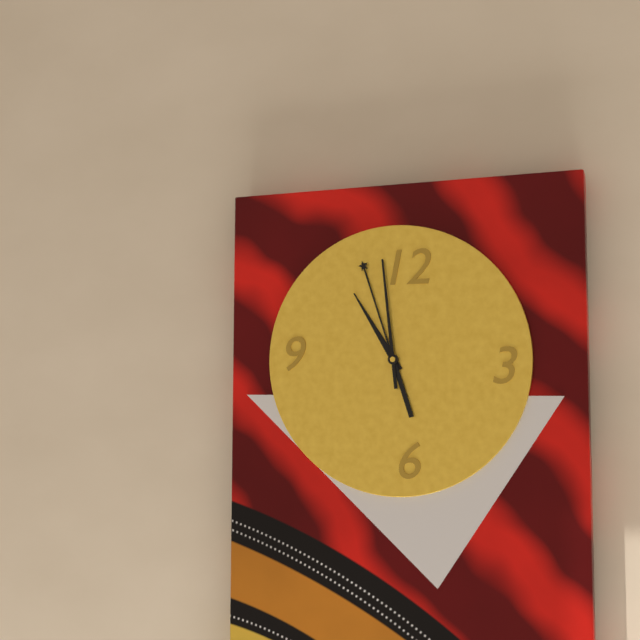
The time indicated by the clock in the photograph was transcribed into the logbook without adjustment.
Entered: 10:57:59
